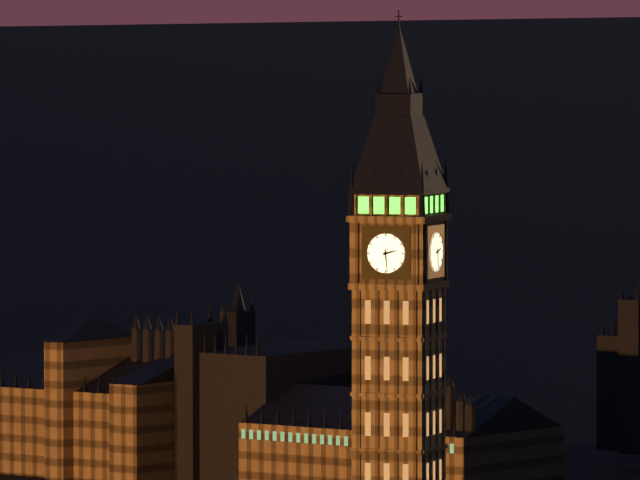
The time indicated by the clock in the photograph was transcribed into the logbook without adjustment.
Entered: 2:29
